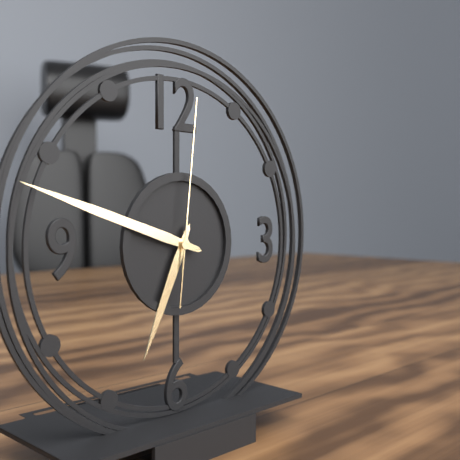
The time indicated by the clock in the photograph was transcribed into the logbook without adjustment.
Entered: 6:48:01
